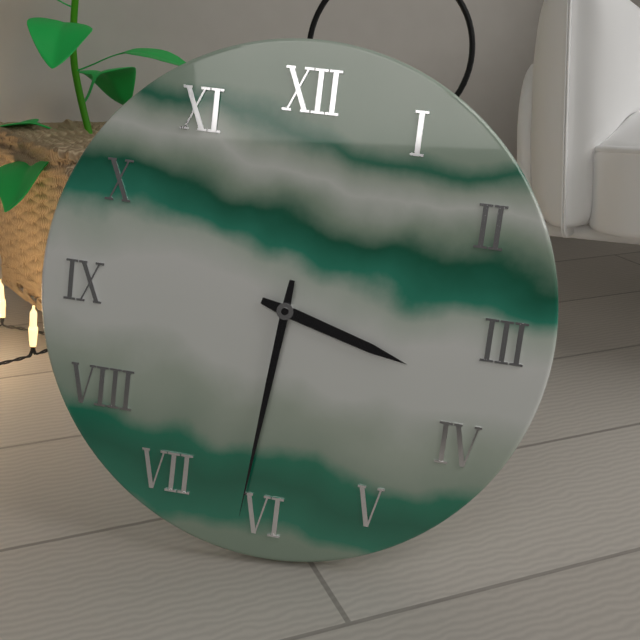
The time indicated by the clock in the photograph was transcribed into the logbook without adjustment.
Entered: 3:31
